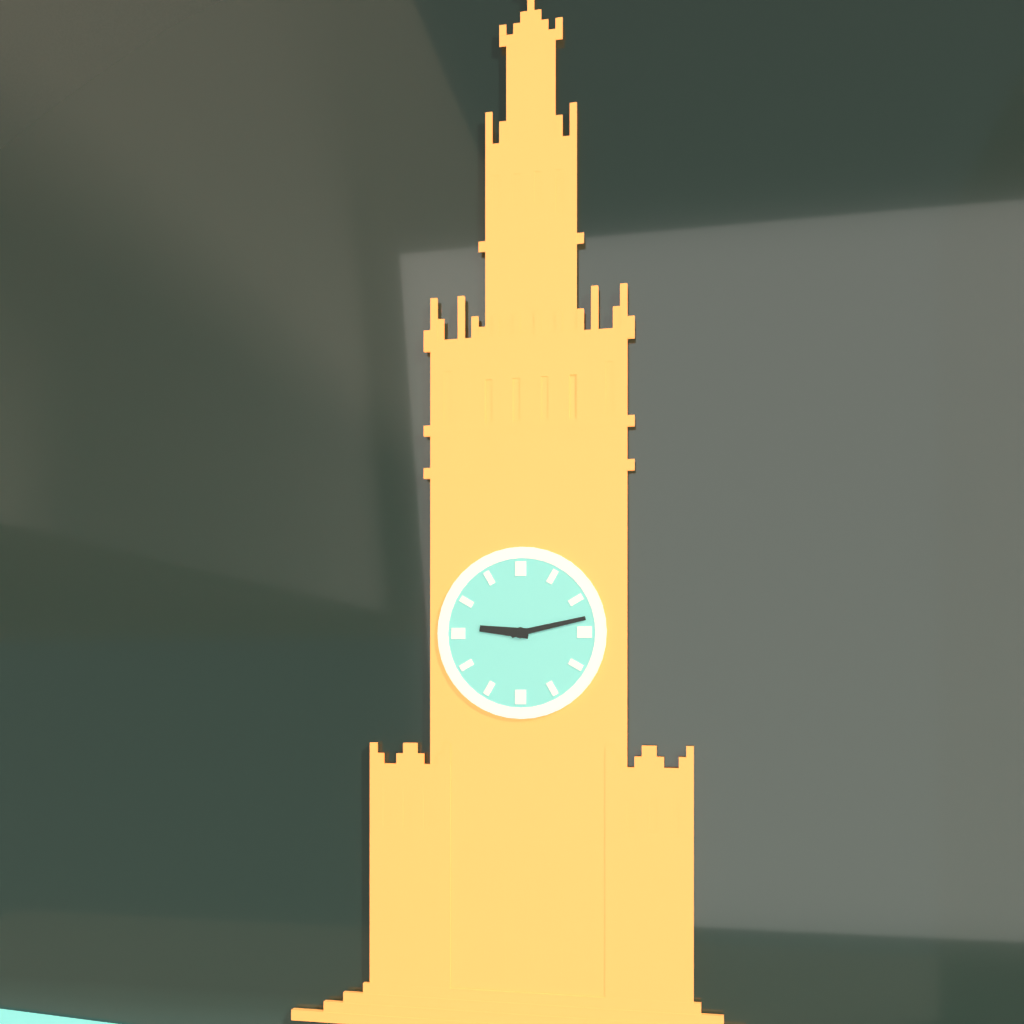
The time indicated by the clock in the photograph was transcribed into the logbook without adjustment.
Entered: 9:13
